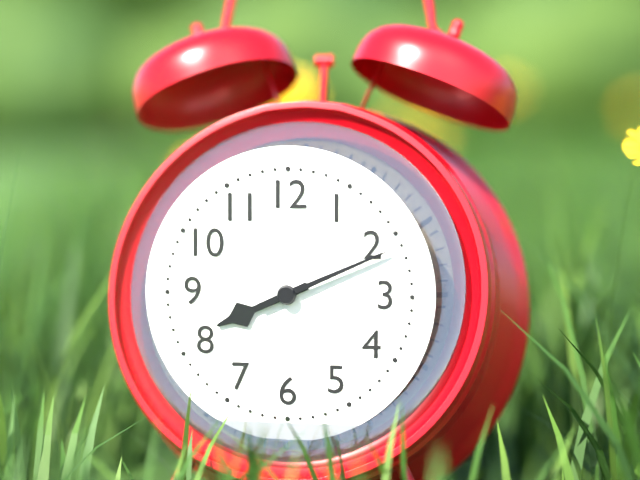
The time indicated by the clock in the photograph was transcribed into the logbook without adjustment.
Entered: 8:11
